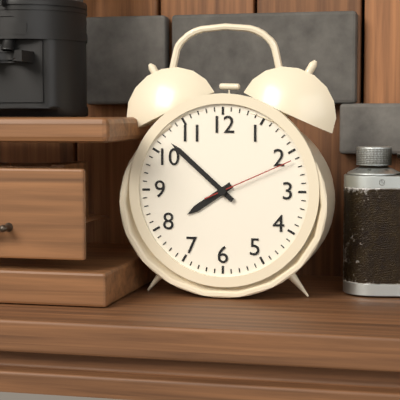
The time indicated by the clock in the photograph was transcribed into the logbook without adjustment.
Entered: 7:52:11
